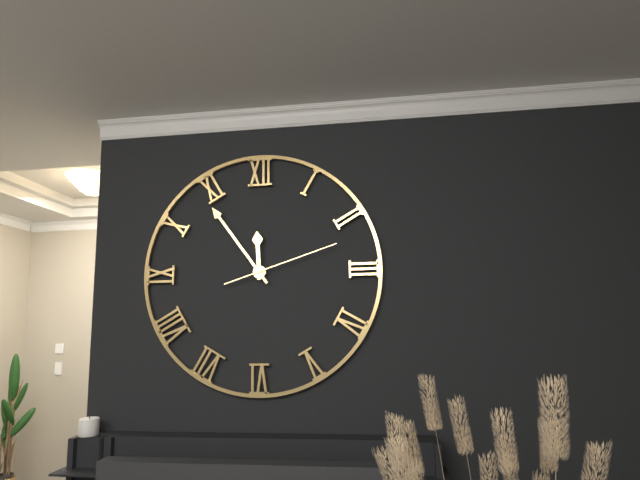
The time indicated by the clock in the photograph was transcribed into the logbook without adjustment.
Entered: 11:54:12
